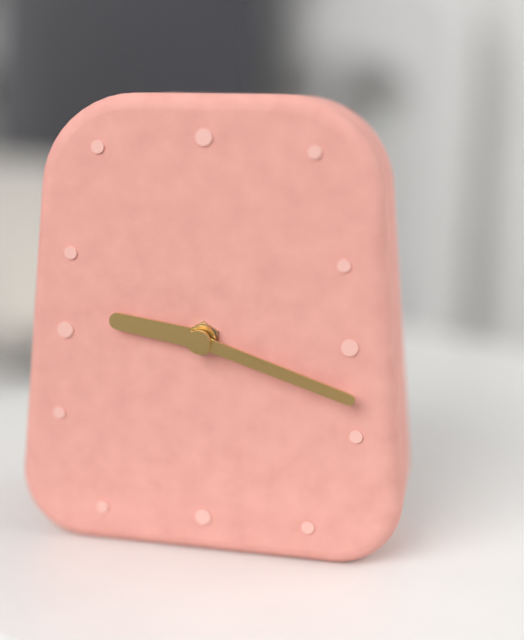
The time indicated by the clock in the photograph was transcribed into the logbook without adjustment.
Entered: 9:18
